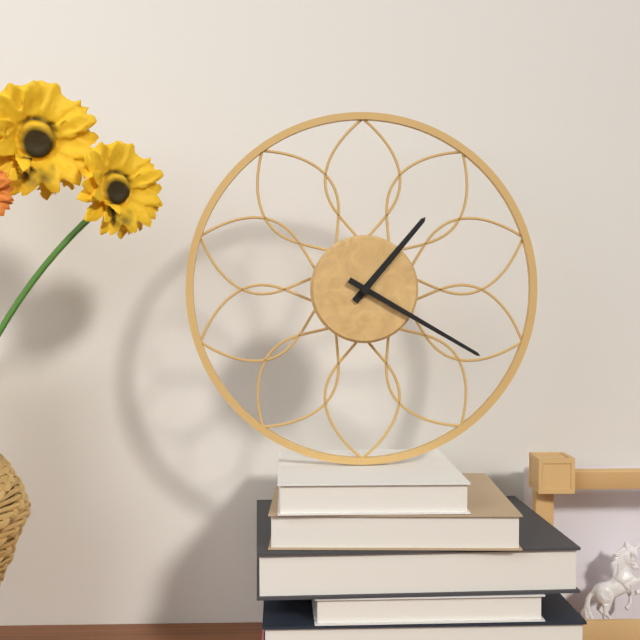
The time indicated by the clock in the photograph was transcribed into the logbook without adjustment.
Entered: 1:20
